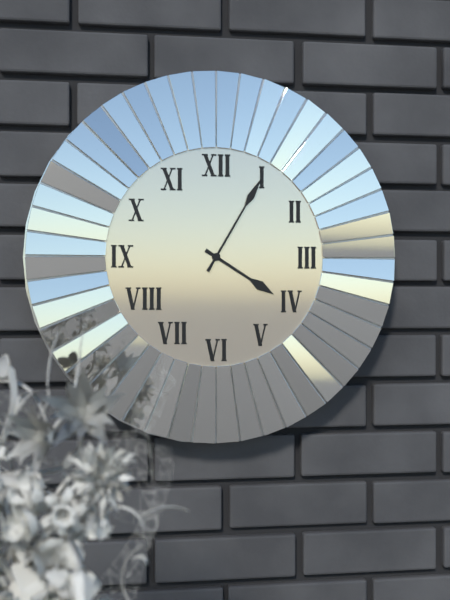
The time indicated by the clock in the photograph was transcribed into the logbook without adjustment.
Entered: 4:05
